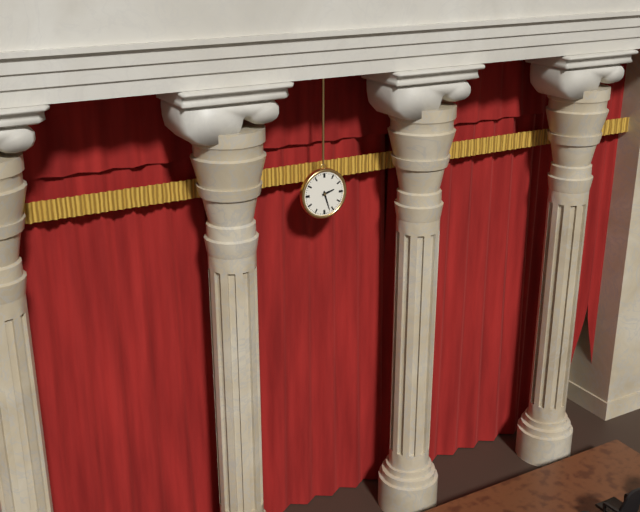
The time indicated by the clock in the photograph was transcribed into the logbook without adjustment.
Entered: 2:27
